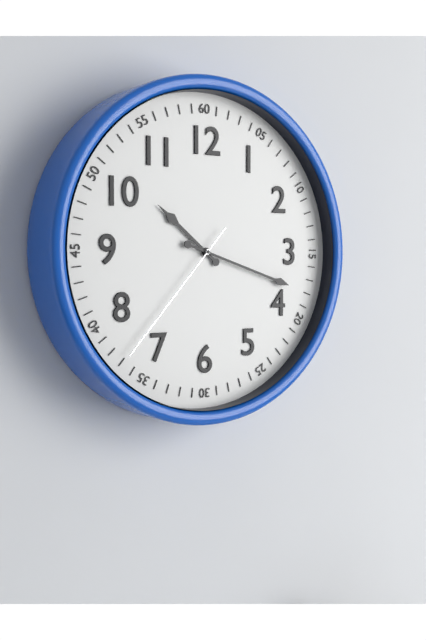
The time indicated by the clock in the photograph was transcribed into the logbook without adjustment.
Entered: 10:18:37
